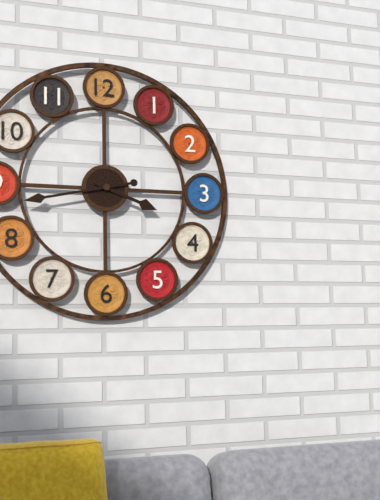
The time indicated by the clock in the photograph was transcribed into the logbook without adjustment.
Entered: 3:43
